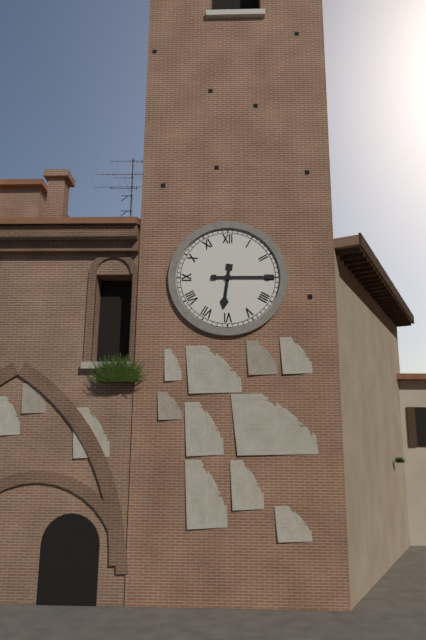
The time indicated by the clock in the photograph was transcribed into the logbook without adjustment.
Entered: 6:15
